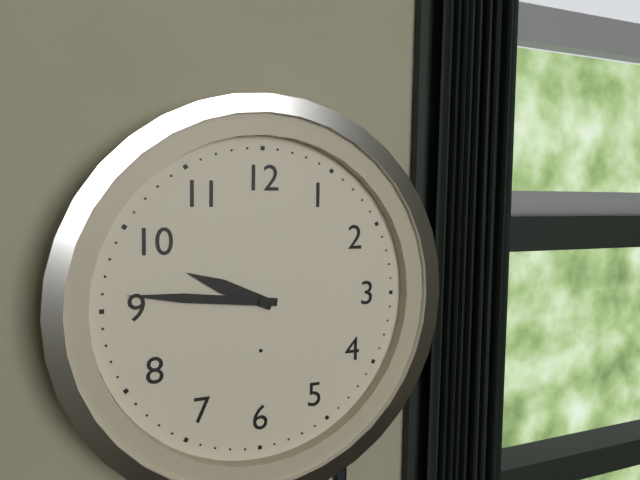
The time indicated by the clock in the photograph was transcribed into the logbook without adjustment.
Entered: 9:46
